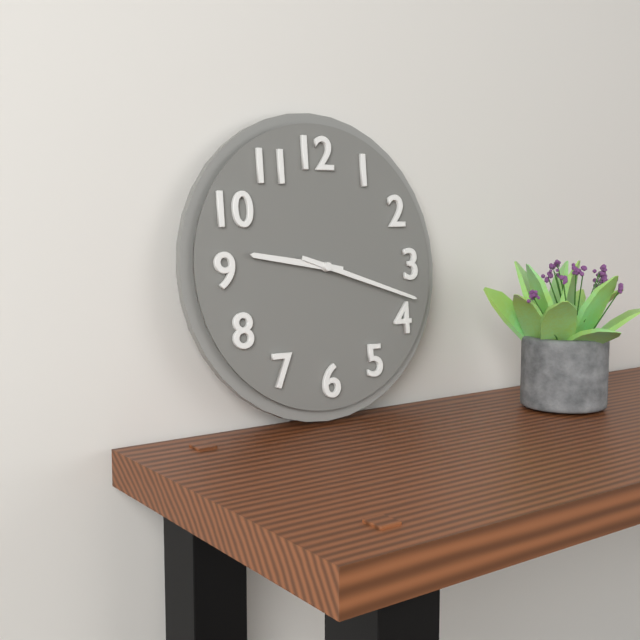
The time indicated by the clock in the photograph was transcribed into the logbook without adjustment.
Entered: 9:18
